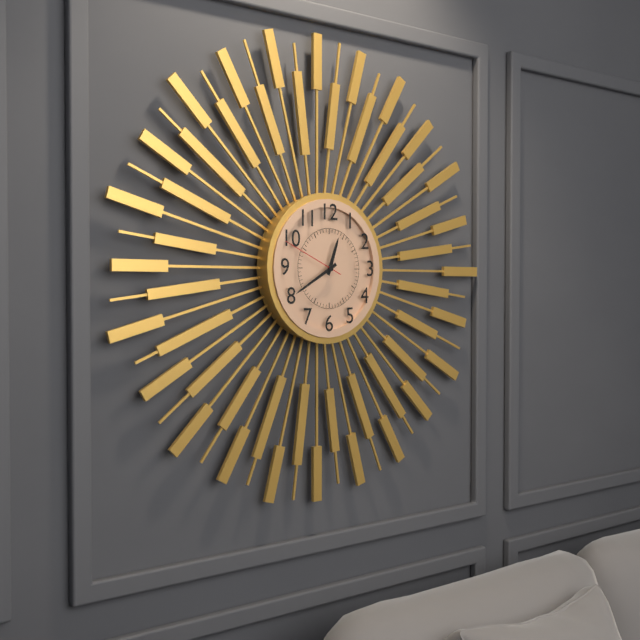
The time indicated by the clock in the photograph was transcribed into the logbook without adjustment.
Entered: 12:40:49
